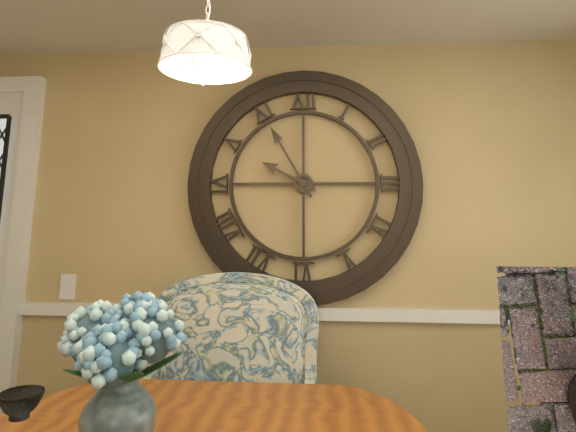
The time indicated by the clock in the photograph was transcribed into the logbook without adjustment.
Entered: 9:55
